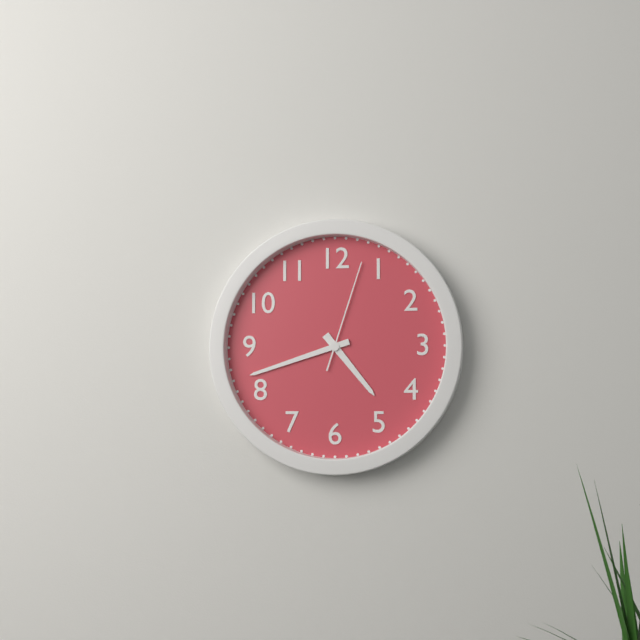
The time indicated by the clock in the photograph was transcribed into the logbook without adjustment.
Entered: 4:42:03
